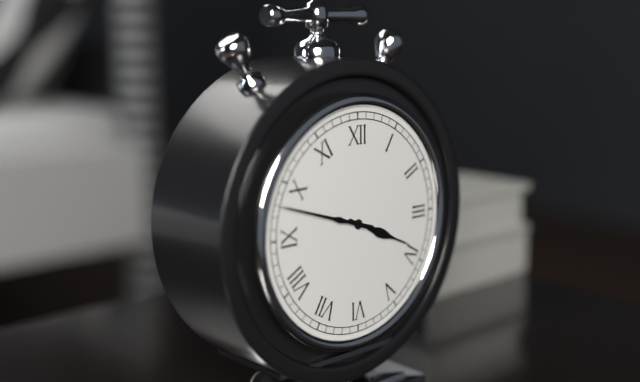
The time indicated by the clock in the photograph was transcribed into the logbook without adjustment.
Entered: 3:48
